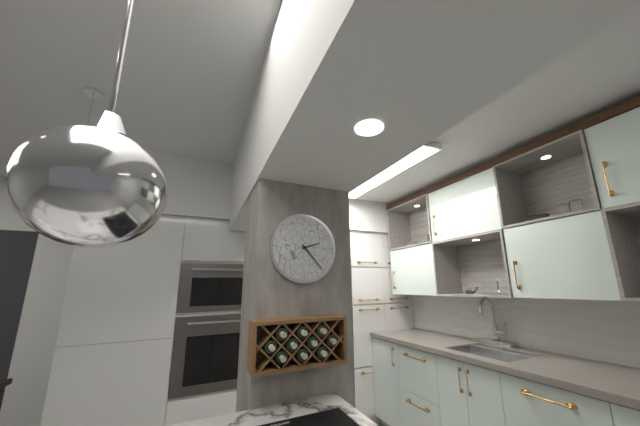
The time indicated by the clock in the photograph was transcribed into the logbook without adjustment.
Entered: 2:23
